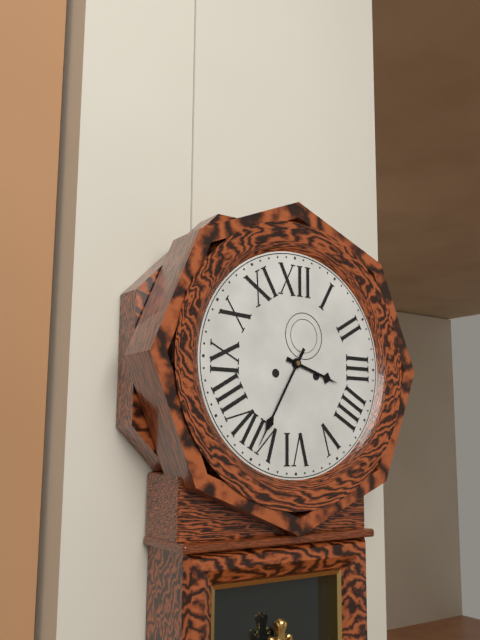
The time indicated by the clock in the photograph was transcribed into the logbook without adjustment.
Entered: 3:35
